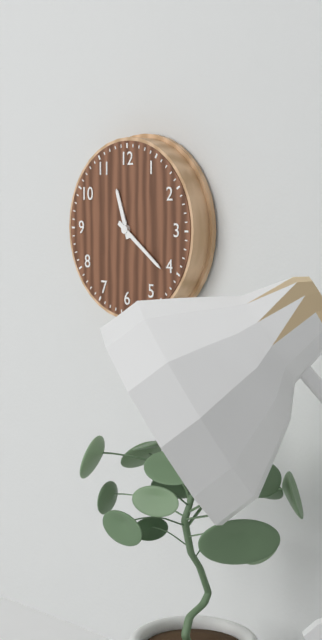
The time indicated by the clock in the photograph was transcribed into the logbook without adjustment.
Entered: 11:21
